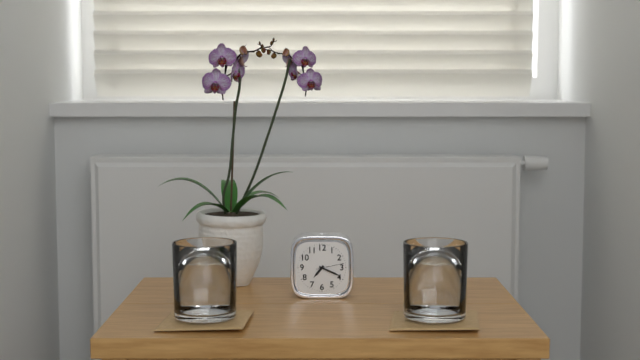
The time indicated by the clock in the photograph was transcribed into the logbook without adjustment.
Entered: 7:19
